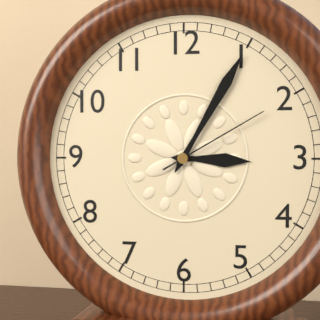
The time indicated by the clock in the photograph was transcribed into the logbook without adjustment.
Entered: 3:05:10
